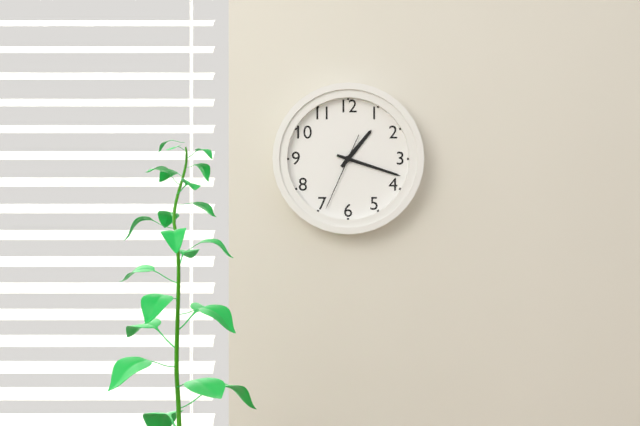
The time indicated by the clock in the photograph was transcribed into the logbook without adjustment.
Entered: 1:18:34
